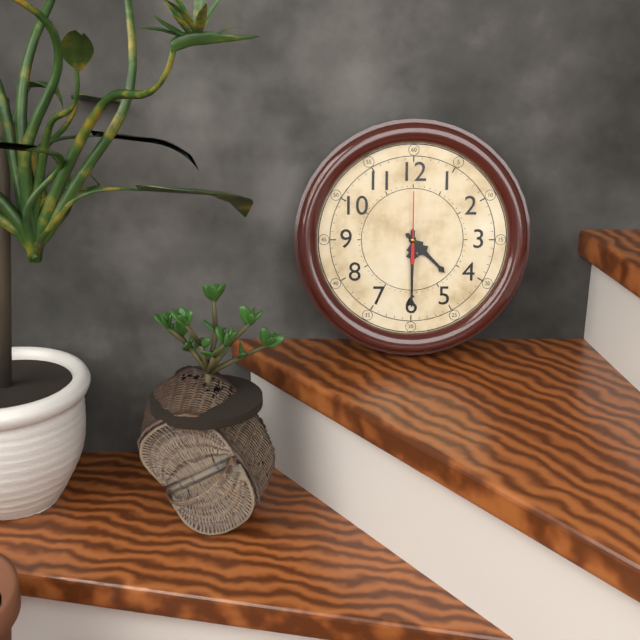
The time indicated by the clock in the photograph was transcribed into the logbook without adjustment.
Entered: 4:30:00
